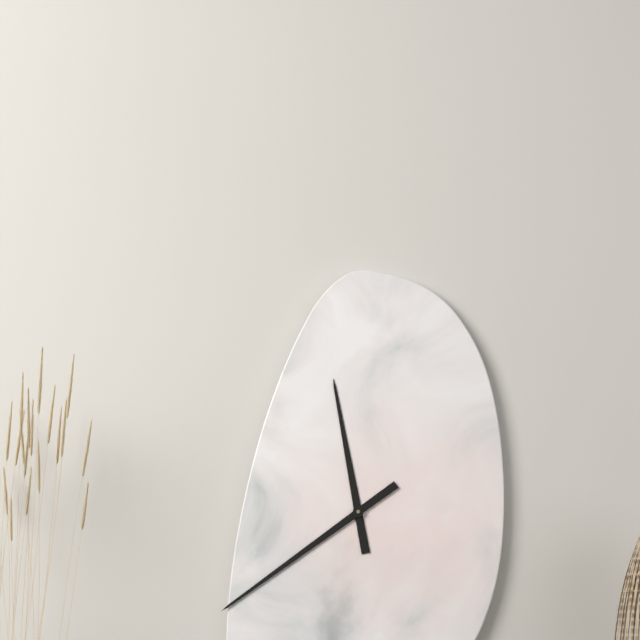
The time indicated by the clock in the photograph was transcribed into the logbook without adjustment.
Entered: 11:39
